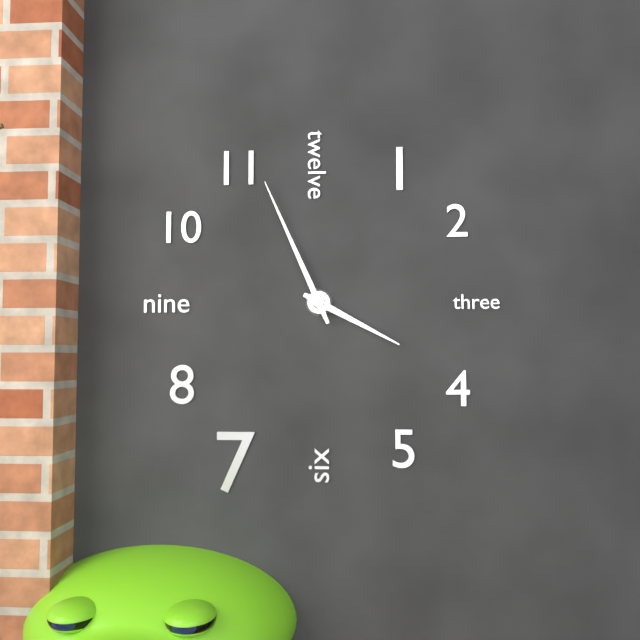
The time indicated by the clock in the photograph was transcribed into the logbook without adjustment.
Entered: 3:56
